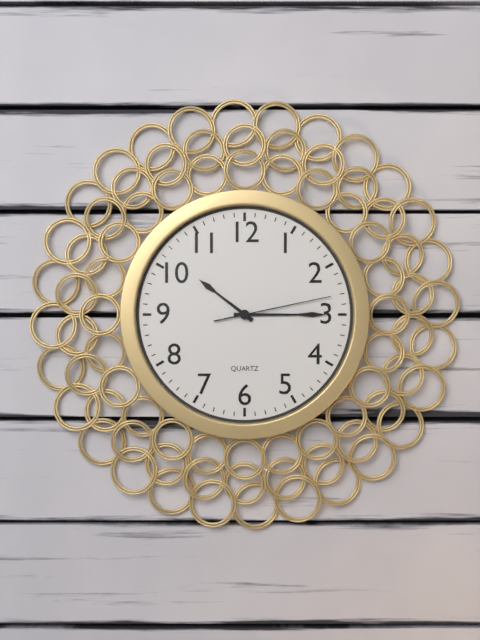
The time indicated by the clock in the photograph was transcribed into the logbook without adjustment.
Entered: 10:15:13
